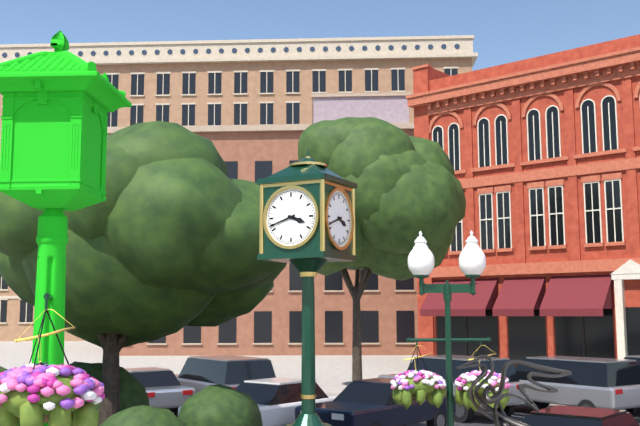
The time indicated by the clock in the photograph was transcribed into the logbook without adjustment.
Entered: 3:42
